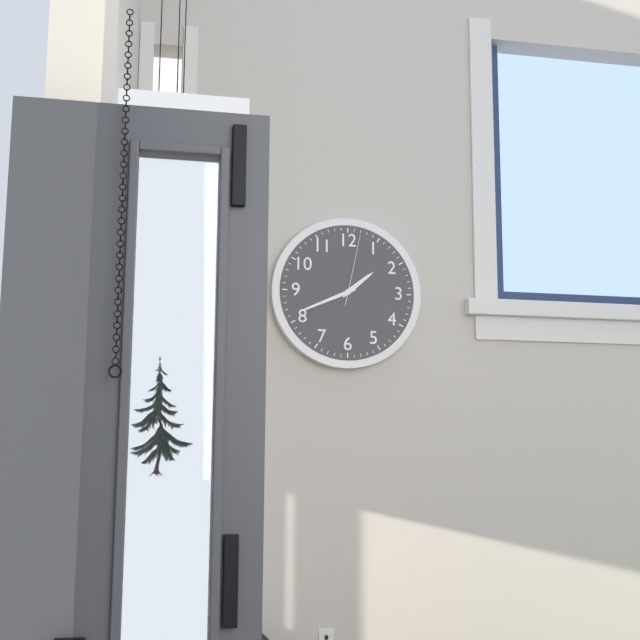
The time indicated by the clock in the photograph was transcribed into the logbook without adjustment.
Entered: 1:41:02
